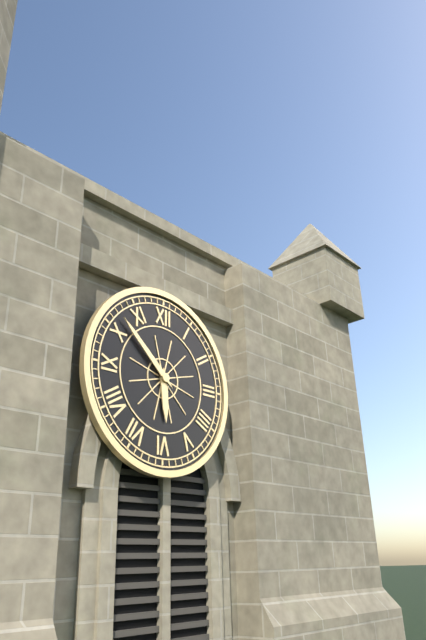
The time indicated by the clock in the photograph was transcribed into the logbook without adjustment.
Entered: 5:52
